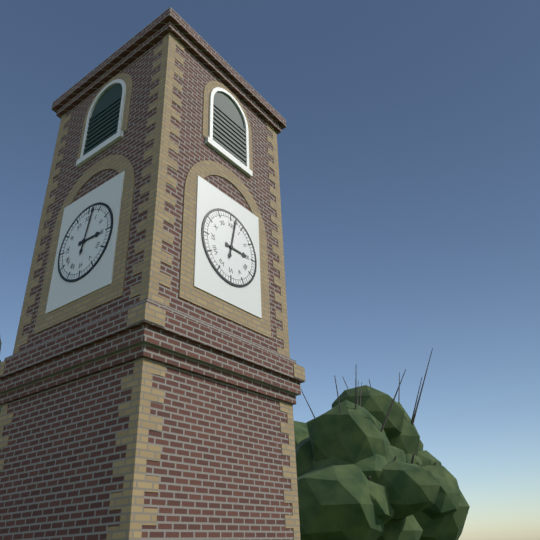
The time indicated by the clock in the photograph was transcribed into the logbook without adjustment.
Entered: 3:02
